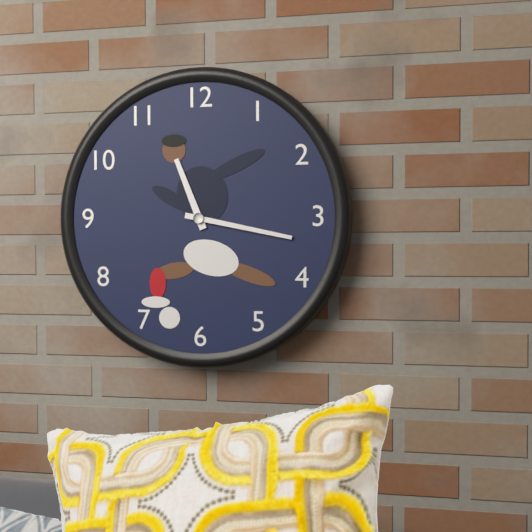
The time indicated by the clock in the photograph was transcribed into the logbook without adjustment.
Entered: 11:17
